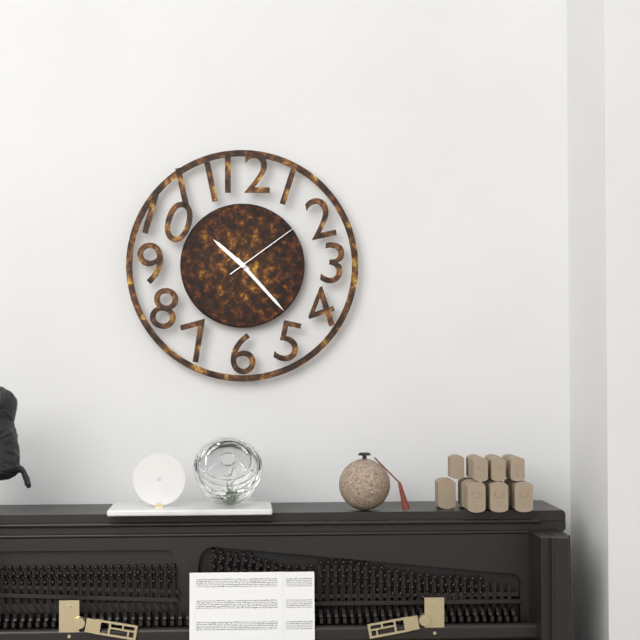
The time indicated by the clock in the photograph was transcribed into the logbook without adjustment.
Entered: 10:23:09
